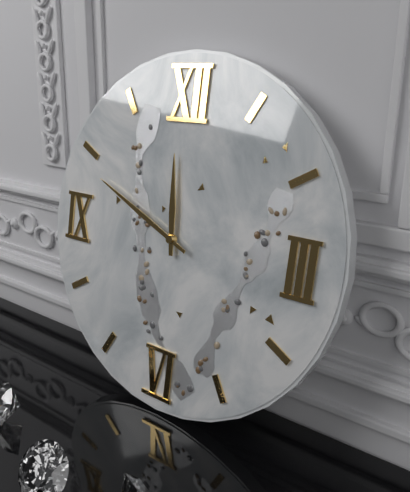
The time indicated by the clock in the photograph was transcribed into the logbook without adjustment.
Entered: 11:49
